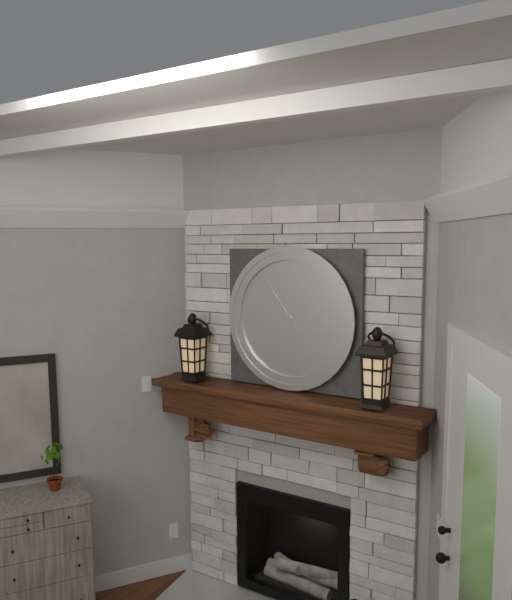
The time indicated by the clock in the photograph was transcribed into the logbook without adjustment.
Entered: 7:54
